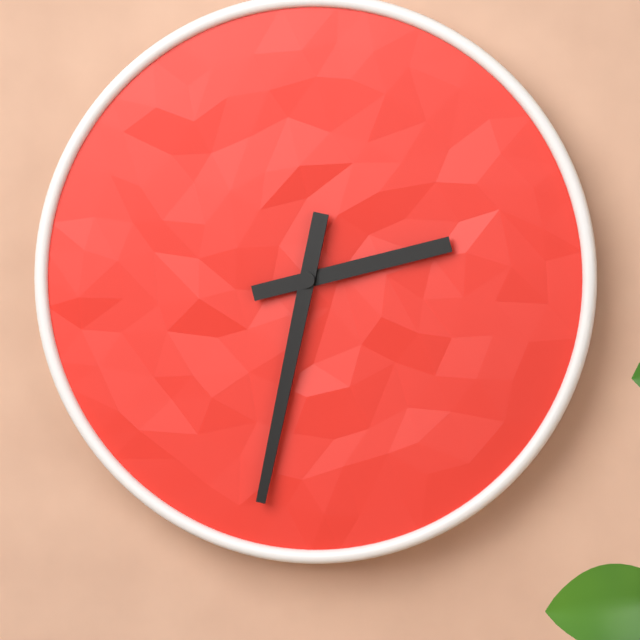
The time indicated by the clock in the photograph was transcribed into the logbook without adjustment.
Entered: 2:32
